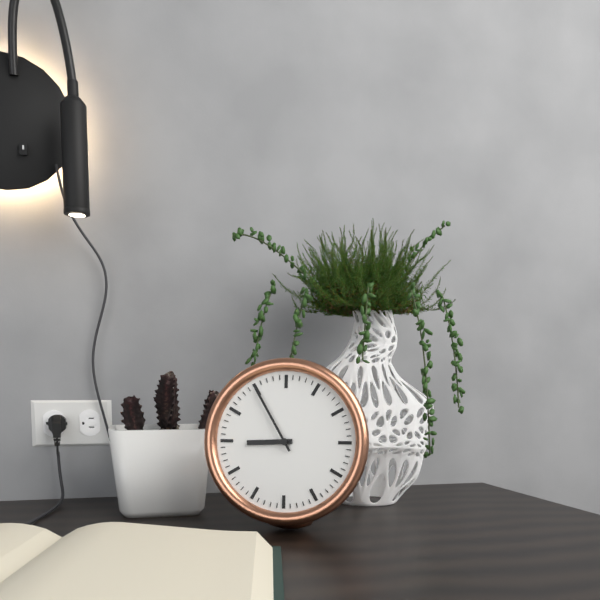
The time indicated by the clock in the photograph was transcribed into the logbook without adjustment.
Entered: 8:55
